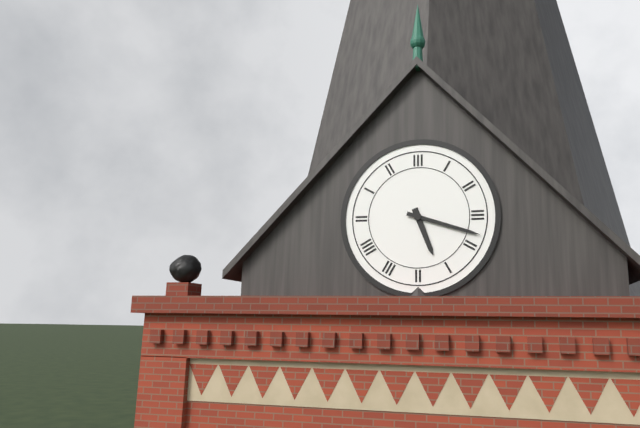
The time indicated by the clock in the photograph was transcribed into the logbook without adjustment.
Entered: 5:18
